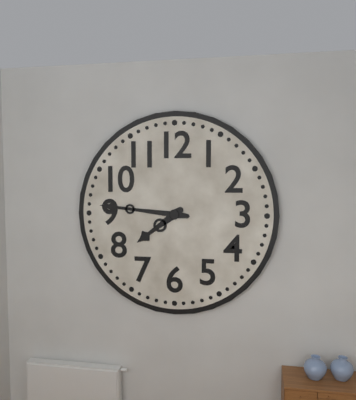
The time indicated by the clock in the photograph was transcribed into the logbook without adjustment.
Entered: 7:46
